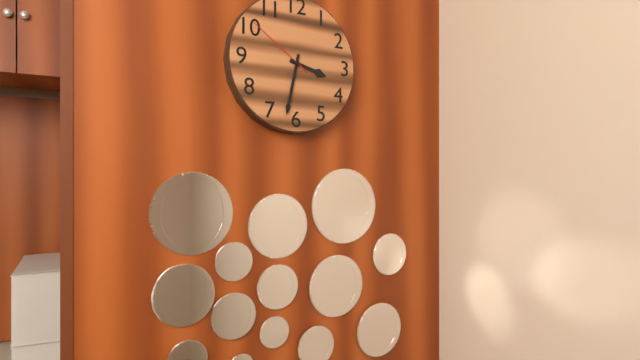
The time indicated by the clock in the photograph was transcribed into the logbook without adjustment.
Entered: 3:32:51
